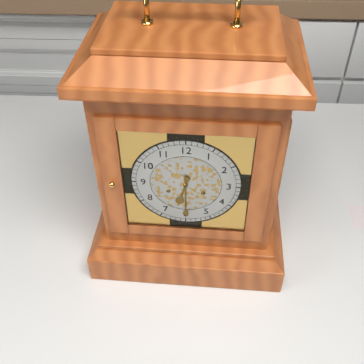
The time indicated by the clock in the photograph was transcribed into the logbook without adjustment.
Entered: 6:30
